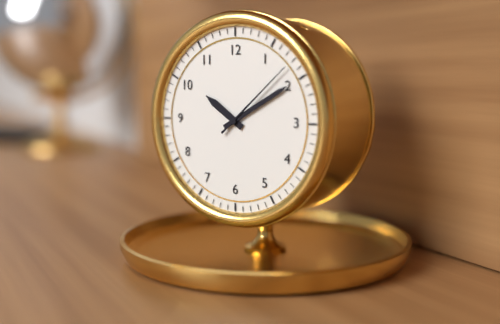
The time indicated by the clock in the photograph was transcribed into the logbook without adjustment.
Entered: 10:10:08
